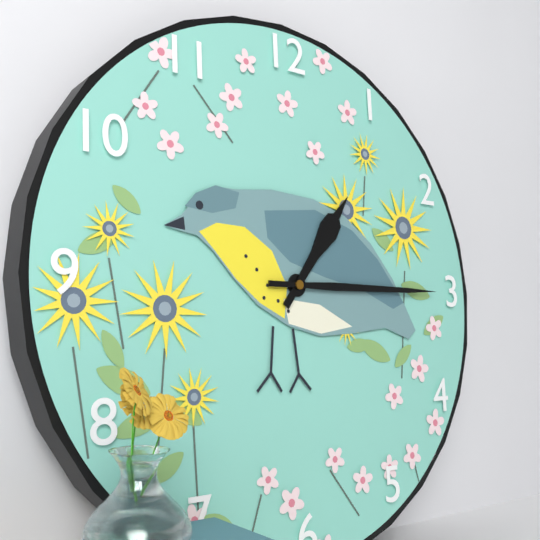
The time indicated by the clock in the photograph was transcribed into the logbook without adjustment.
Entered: 1:15
